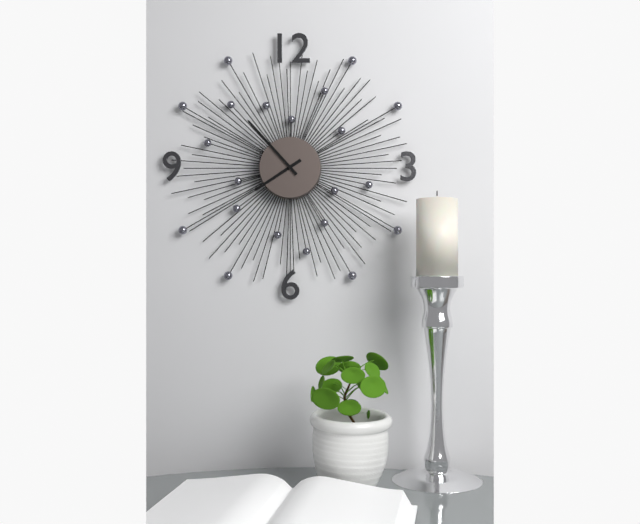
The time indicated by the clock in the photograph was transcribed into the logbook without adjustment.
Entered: 7:53
